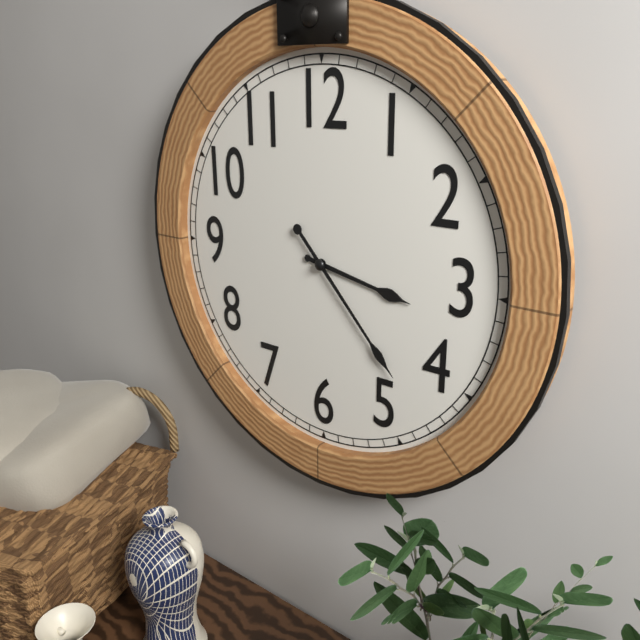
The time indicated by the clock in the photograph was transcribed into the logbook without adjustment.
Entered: 3:23
